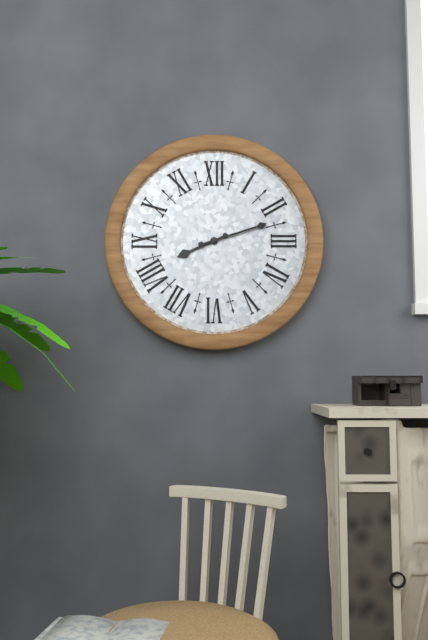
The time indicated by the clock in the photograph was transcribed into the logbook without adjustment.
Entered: 8:12
